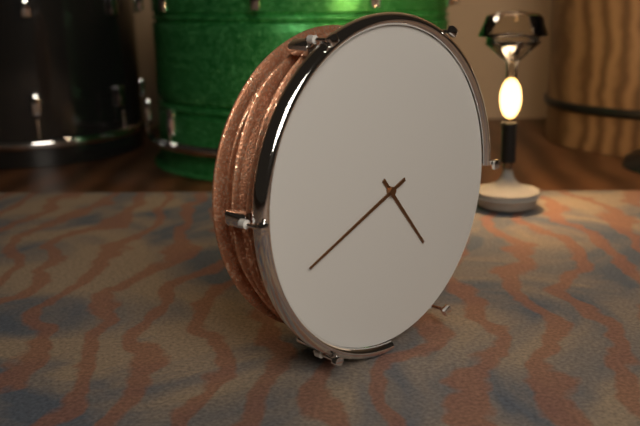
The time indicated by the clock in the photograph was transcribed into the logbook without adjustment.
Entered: 4:41
